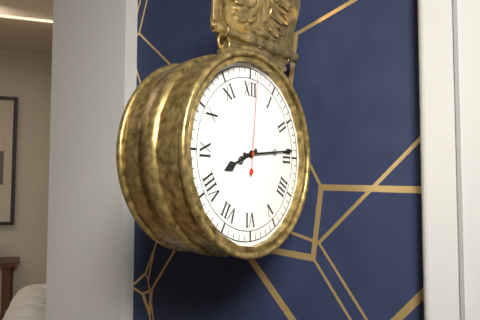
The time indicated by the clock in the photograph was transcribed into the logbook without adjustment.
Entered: 8:14:01
